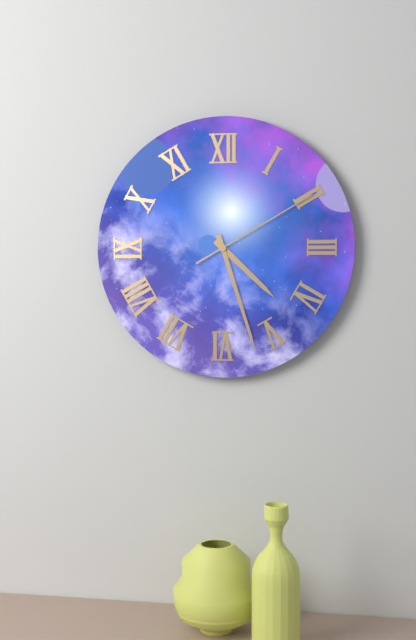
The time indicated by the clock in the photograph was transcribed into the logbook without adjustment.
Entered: 4:27:10
